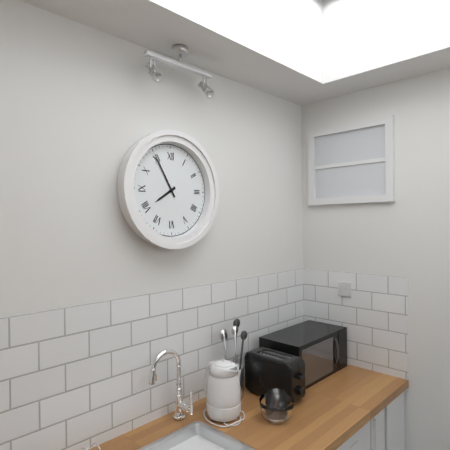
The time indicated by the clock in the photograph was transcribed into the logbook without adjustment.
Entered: 7:55
